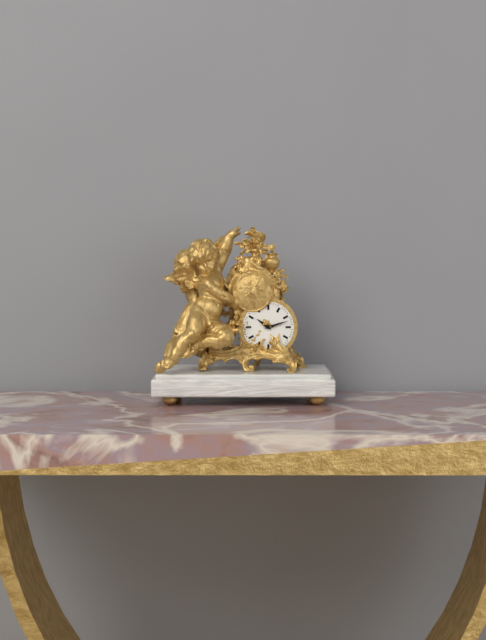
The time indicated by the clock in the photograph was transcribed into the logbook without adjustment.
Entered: 10:12
